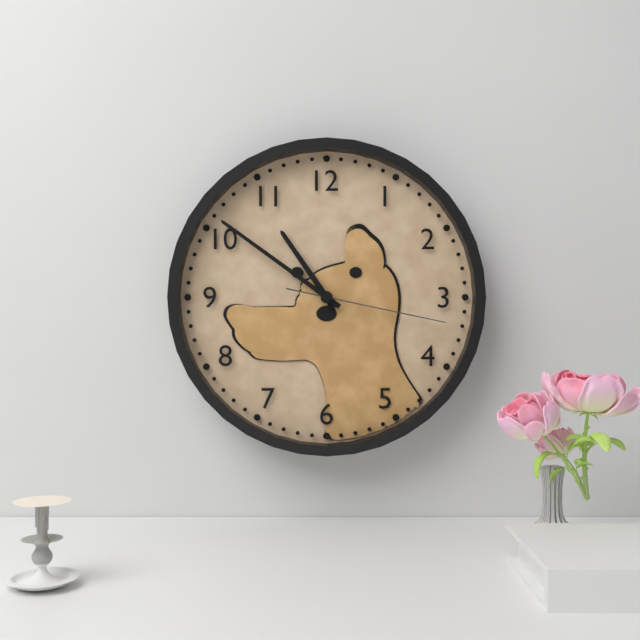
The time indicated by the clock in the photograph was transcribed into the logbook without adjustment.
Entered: 10:51:17
